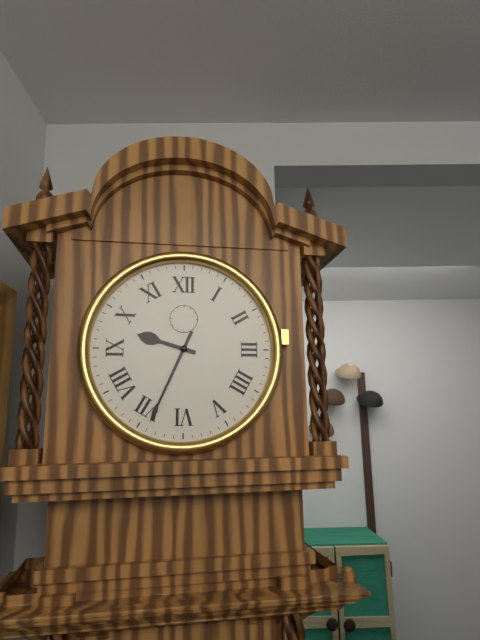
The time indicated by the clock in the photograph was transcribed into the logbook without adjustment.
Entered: 9:34
